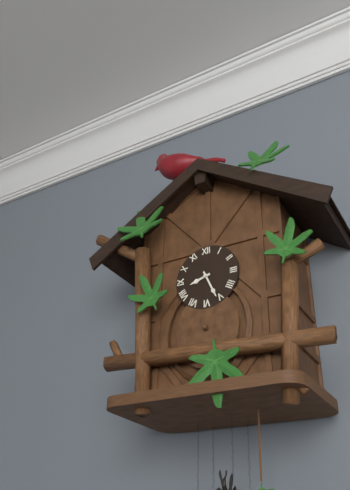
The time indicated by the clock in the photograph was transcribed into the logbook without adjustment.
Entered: 8:26
